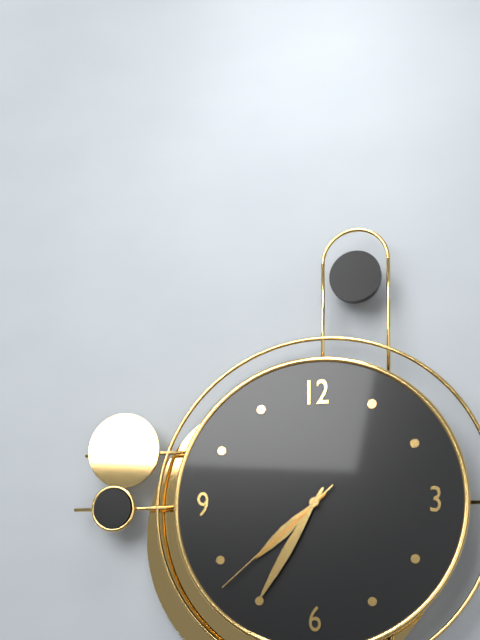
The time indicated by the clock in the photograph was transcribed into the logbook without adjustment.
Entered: 7:35:38
